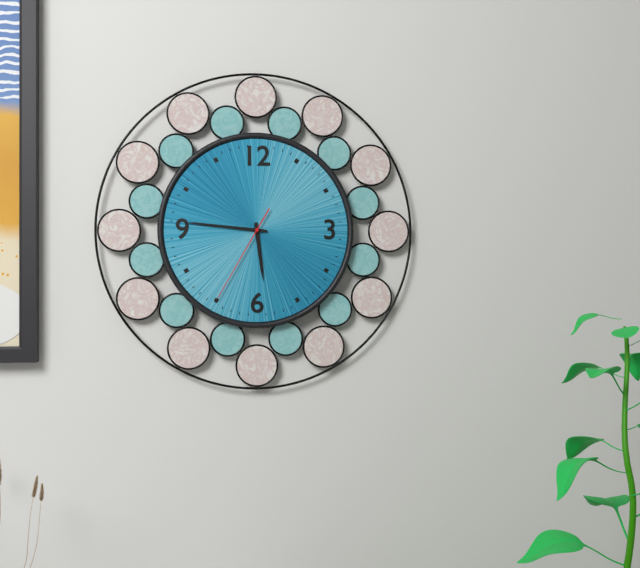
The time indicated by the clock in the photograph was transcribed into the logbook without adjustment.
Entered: 5:46:35
